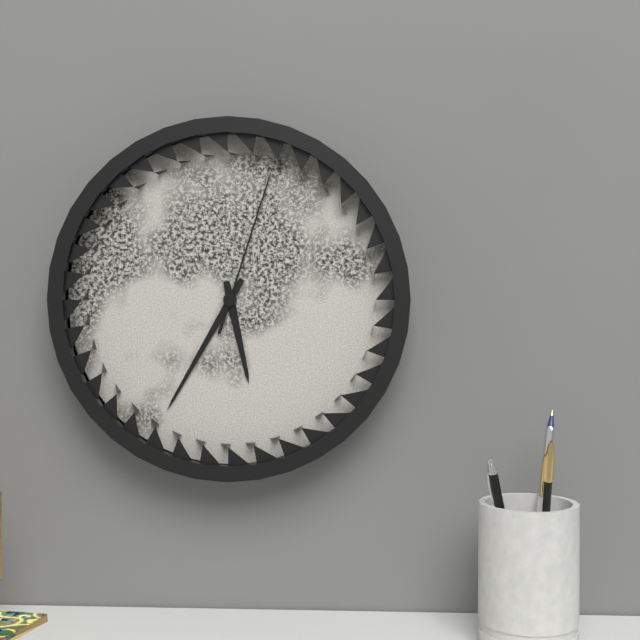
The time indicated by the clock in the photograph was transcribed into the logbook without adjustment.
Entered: 5:35:03
